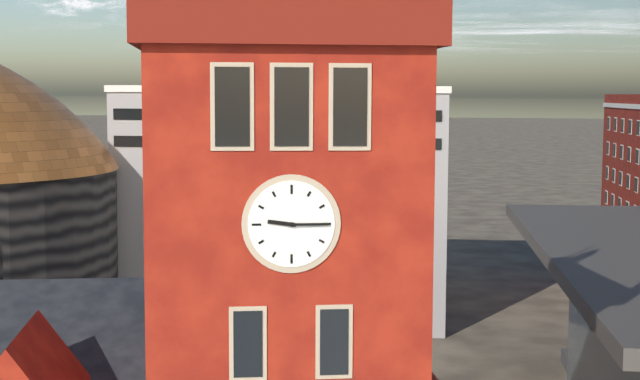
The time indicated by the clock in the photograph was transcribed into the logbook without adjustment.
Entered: 9:15
